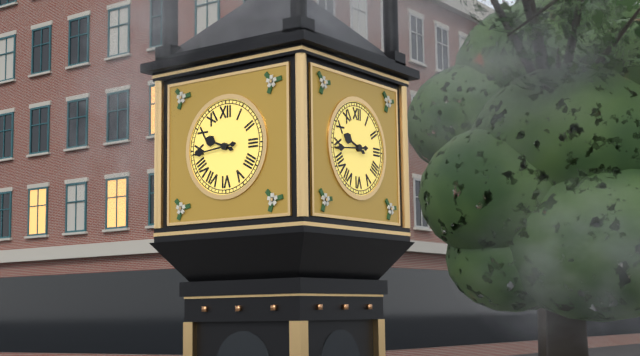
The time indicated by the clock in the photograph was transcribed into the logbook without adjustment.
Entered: 9:44
